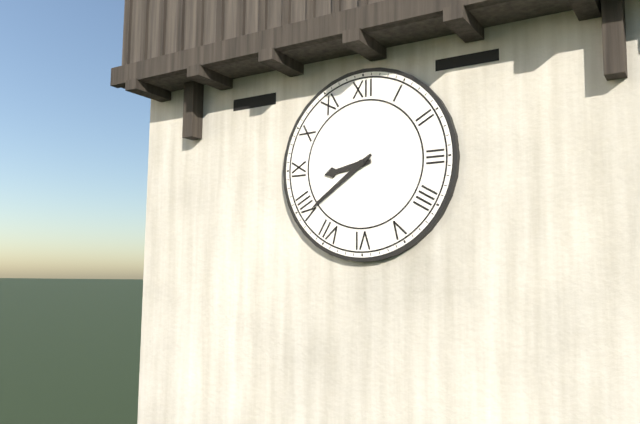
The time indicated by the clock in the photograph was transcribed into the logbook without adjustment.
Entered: 8:39
